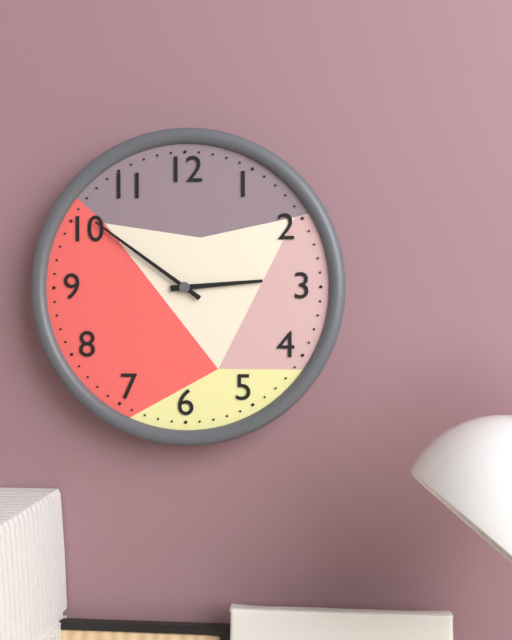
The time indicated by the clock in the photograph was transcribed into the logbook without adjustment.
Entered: 2:51
